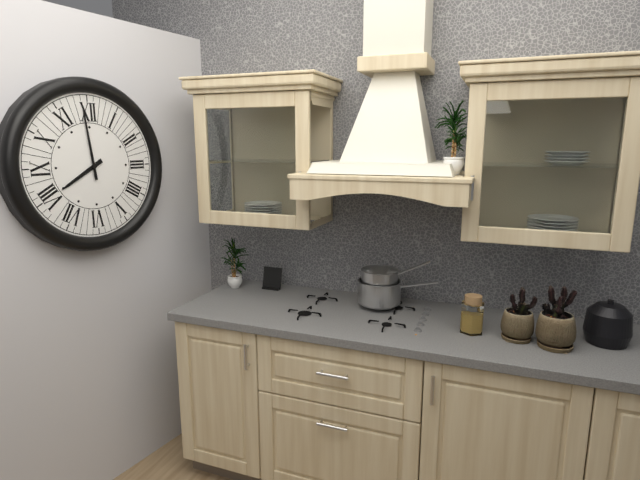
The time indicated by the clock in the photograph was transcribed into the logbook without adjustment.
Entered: 7:59
